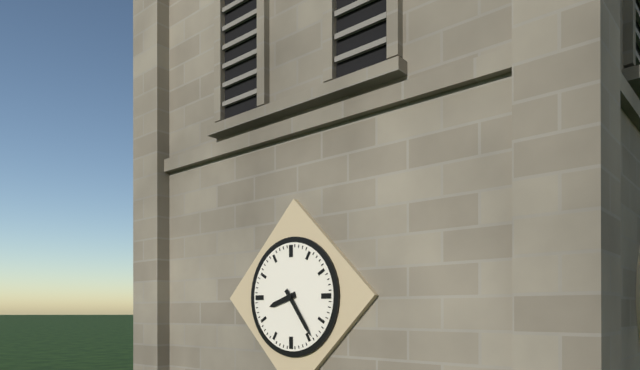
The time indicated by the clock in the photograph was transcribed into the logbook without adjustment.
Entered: 8:24
